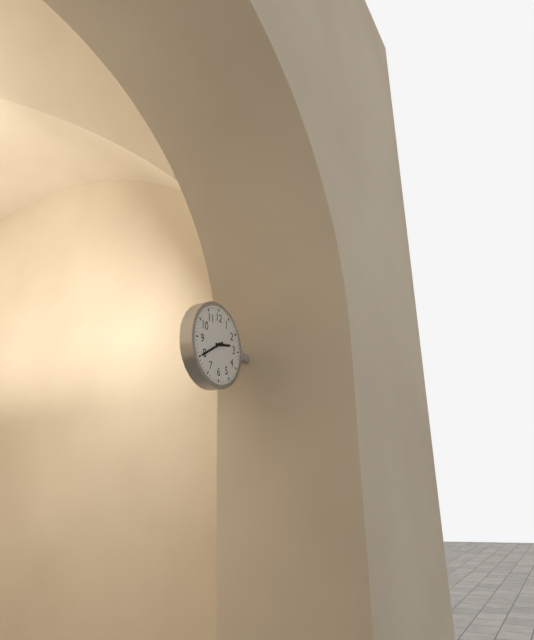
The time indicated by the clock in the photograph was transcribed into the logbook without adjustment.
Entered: 2:40
